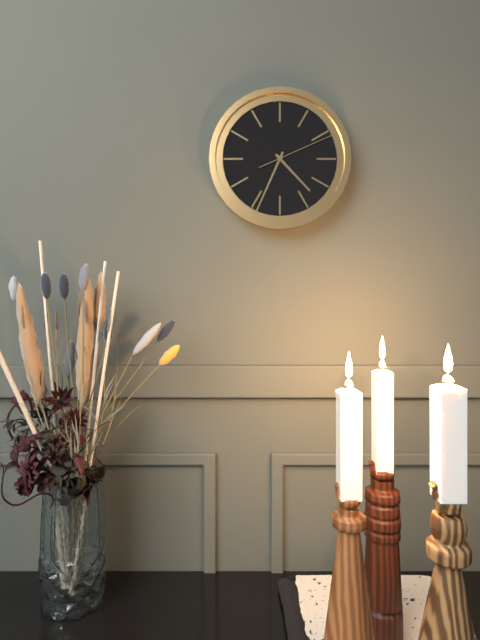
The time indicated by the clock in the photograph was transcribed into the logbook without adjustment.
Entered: 4:34:11
